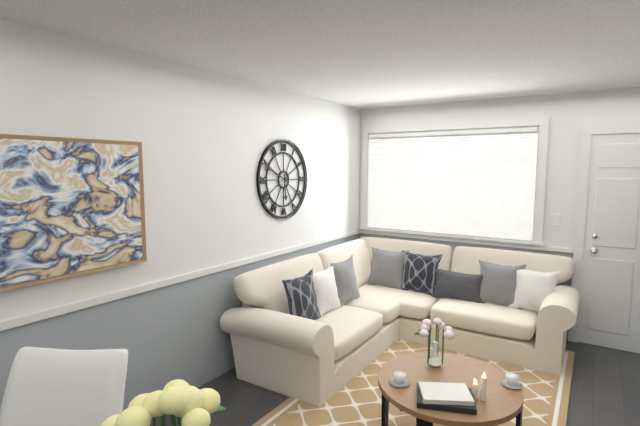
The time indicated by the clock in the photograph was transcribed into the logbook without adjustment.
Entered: 5:49
